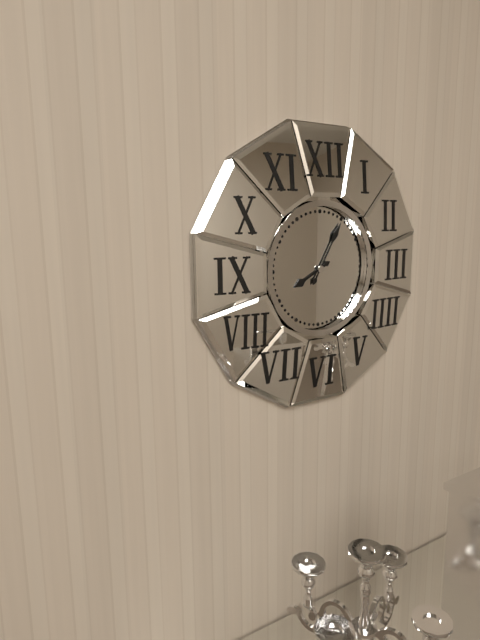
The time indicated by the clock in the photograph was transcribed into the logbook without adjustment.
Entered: 8:05
